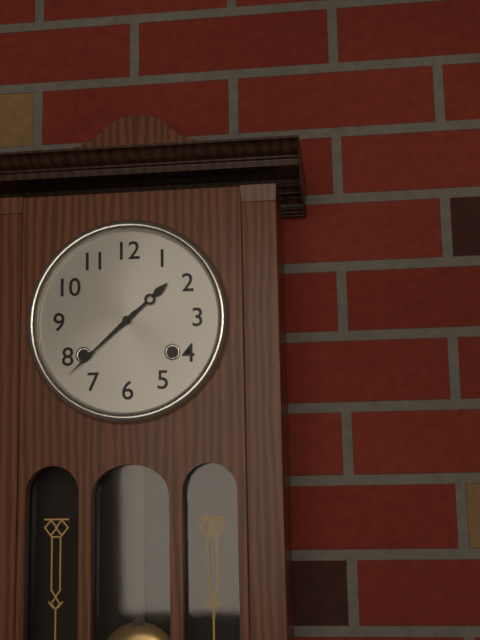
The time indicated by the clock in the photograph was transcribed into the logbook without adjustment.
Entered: 1:38
